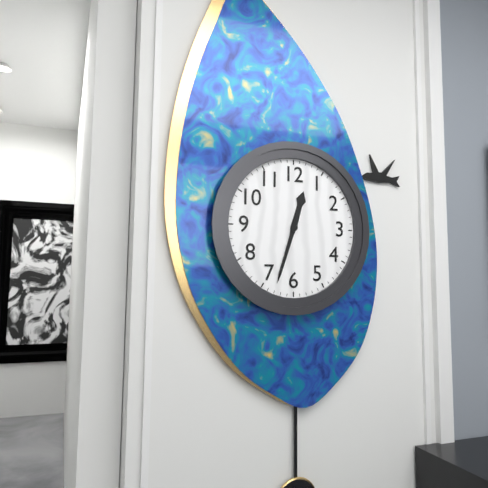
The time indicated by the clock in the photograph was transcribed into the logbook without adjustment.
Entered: 12:33
